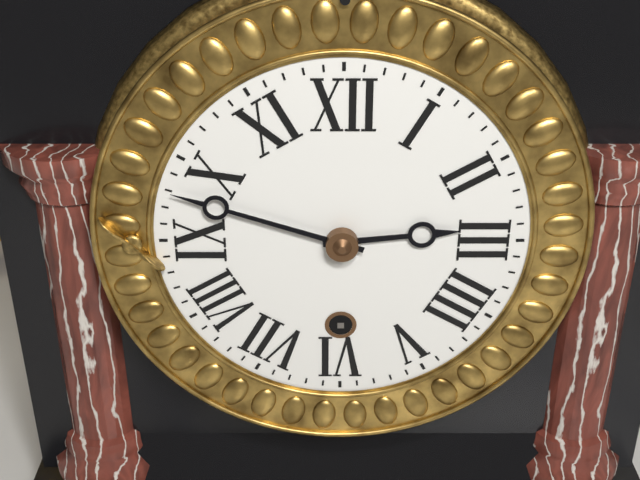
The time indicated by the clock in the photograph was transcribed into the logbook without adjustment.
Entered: 2:48
